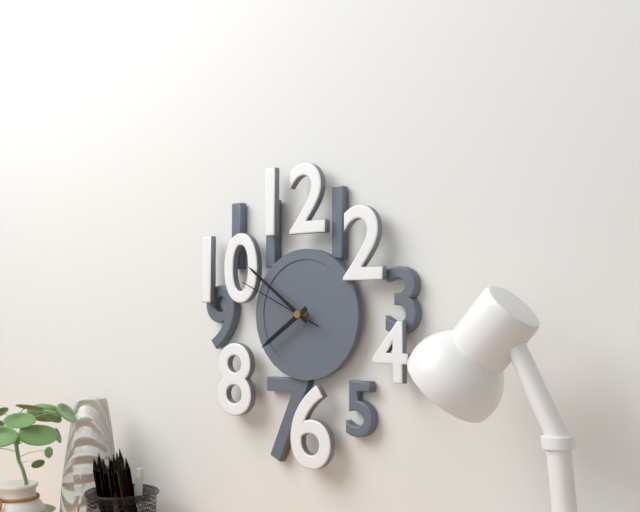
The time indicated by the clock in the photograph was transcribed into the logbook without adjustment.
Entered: 7:51:49
